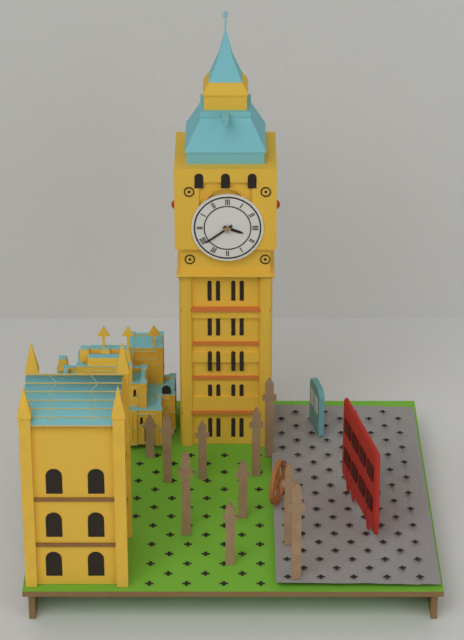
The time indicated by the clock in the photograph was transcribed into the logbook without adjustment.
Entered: 3:39
